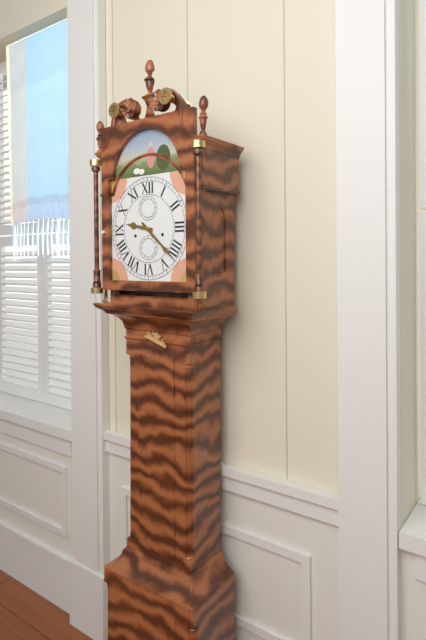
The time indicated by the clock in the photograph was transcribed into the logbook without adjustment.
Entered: 9:22
